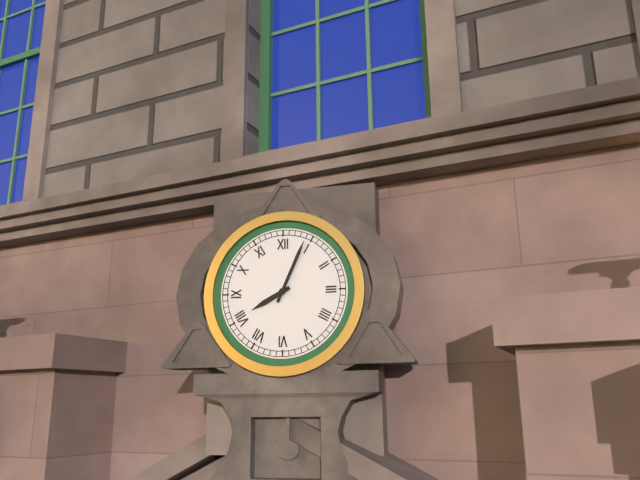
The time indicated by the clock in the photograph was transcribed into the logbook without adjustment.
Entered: 8:04
